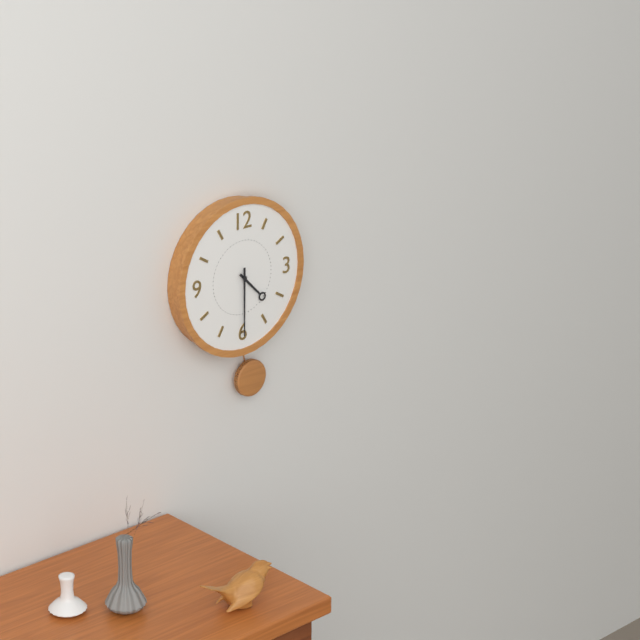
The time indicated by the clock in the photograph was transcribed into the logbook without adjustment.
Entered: 4:30
